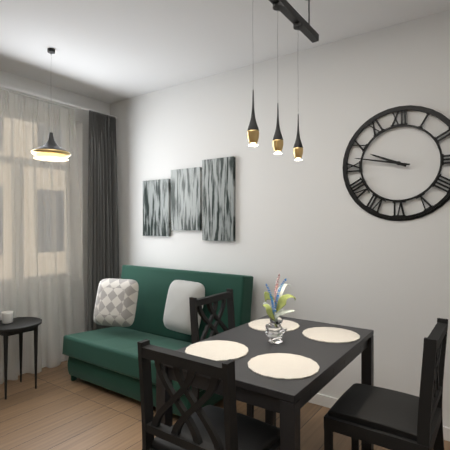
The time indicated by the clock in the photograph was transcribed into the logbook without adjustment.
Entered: 9:47
